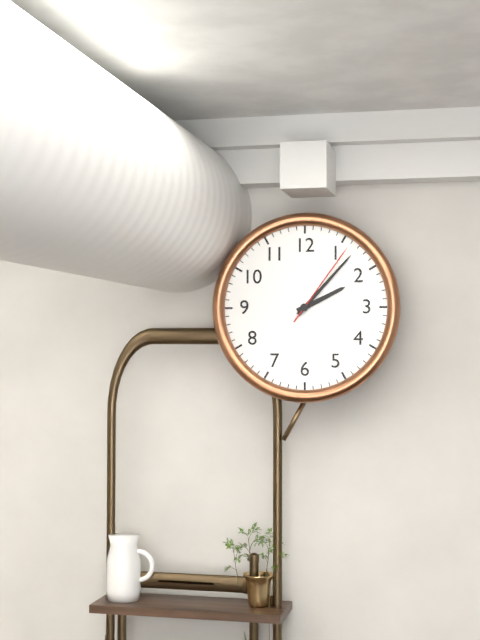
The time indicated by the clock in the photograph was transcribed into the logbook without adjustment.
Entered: 2:07:06
